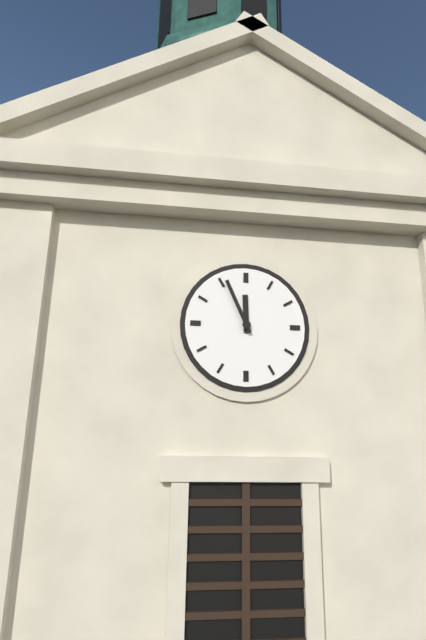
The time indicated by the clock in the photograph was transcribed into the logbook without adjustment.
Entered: 11:56
